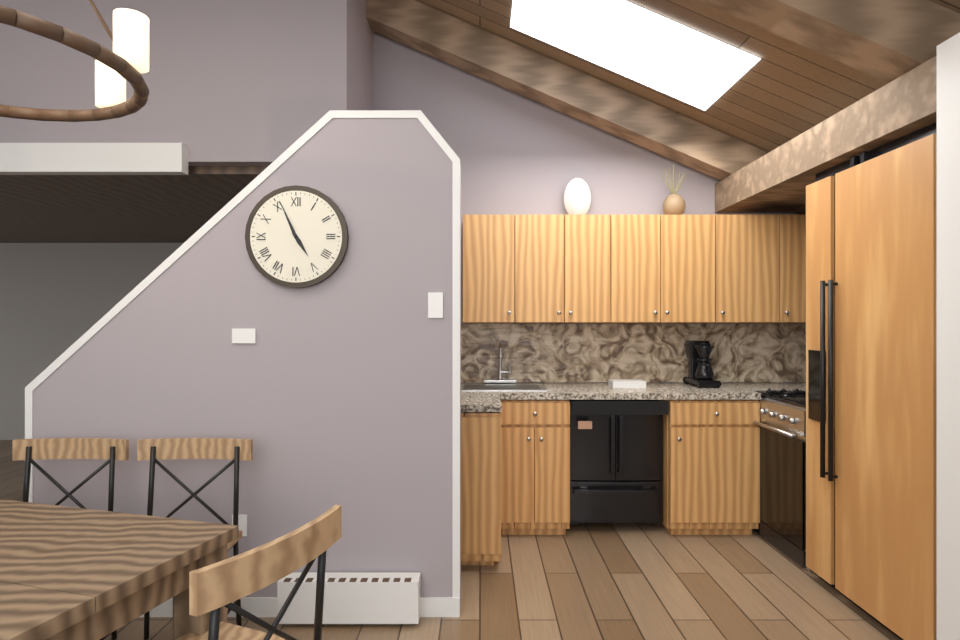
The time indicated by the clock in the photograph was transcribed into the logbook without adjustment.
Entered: 4:56
